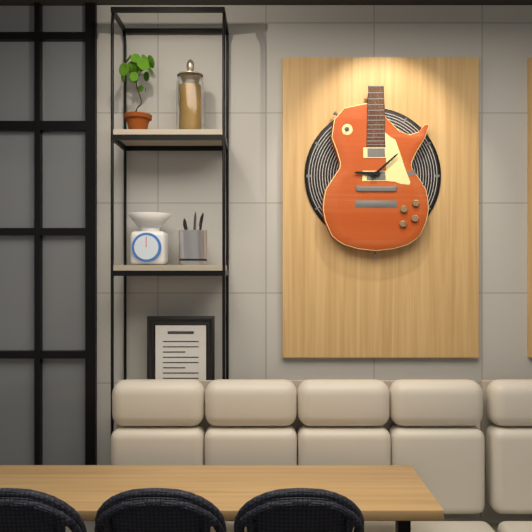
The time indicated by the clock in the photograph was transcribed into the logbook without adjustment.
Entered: 9:08
